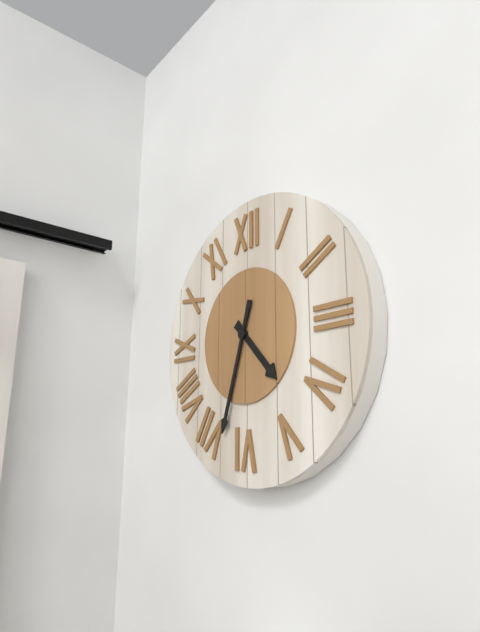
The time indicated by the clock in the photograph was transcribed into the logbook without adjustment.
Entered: 4:33
